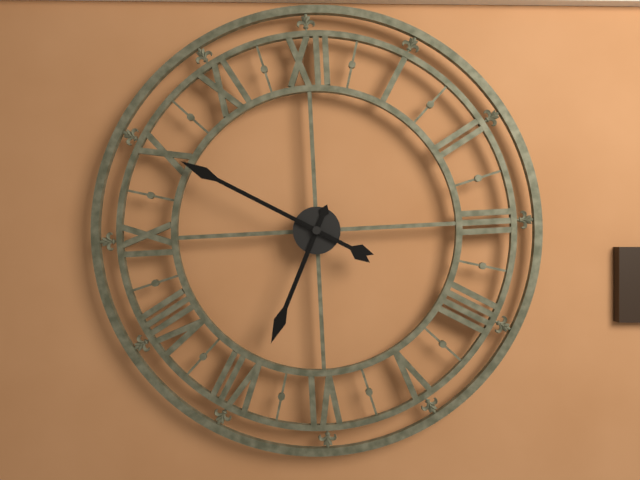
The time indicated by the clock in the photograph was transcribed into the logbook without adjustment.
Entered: 6:50
